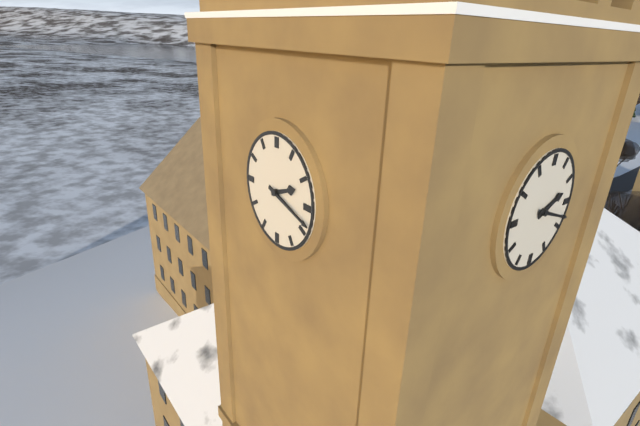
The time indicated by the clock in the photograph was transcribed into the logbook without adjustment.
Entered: 2:18
